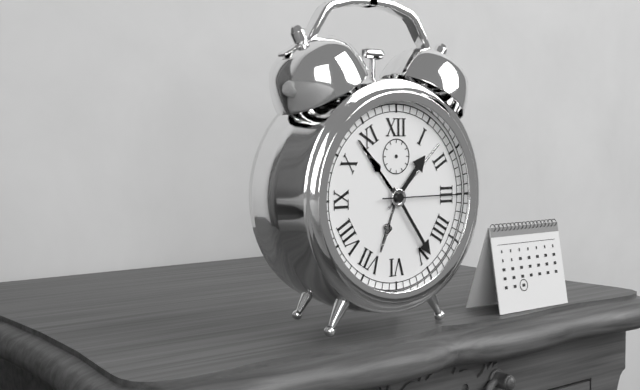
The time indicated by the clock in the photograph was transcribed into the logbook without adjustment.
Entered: 1:24:15
